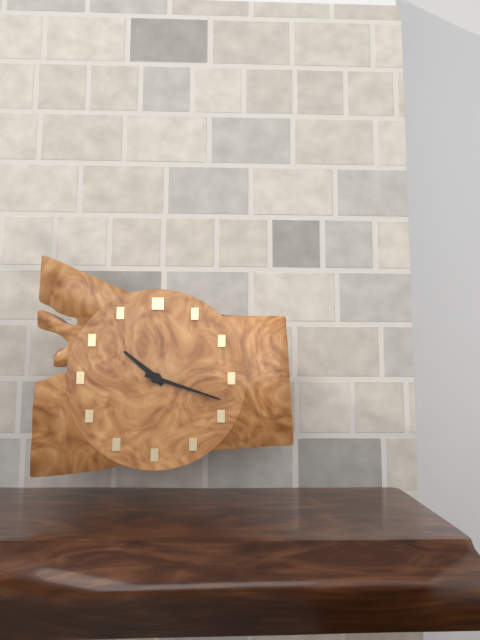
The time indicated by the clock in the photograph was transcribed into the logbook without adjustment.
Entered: 10:18
